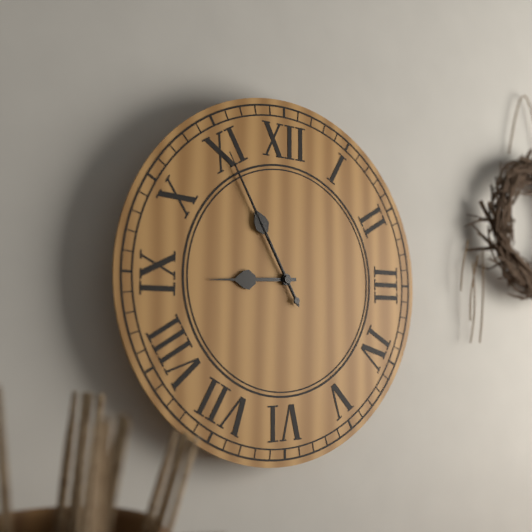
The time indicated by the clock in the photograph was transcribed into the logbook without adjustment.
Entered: 8:55:55
